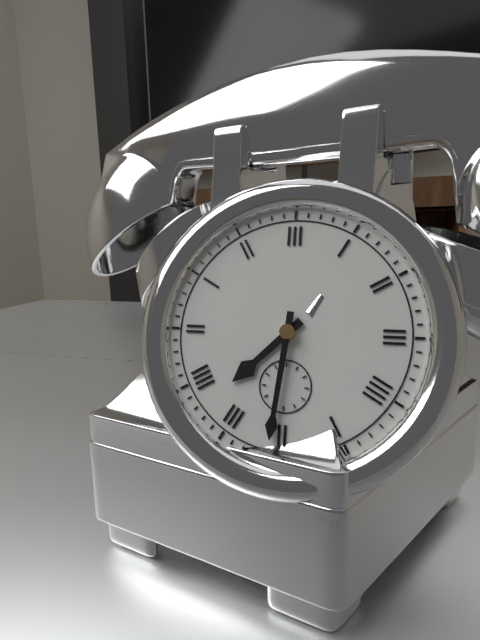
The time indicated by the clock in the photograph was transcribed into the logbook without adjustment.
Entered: 7:31
